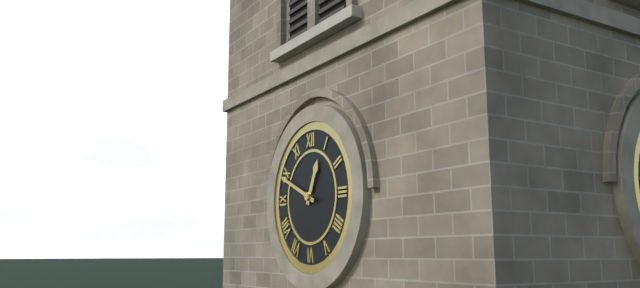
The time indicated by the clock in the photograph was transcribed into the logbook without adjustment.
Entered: 12:49
